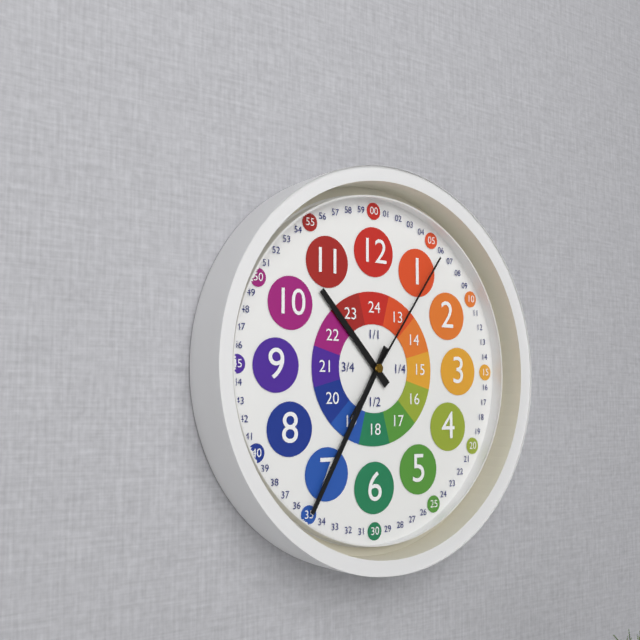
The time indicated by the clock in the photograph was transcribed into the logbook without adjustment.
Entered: 10:35:06
